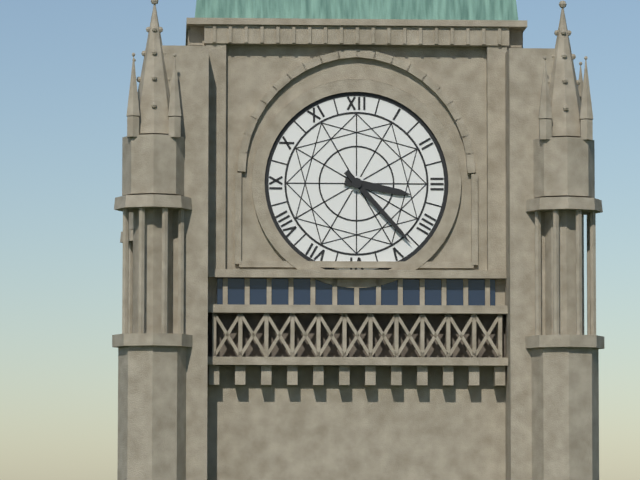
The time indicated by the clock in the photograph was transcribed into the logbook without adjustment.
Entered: 3:23
